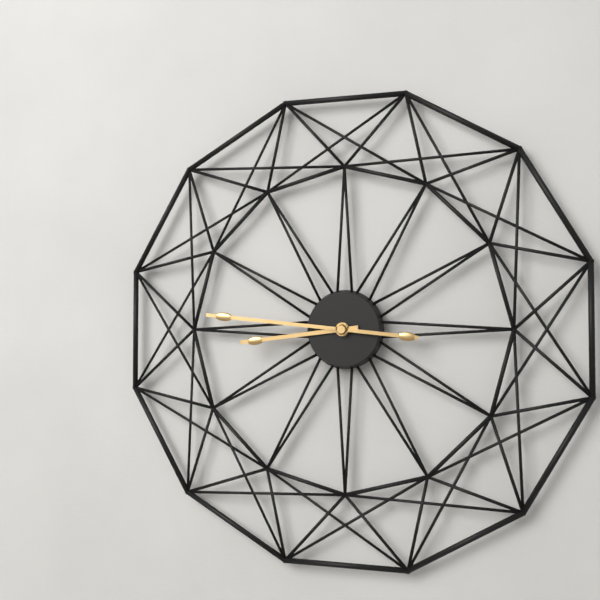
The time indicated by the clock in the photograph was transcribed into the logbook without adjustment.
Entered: 8:46
